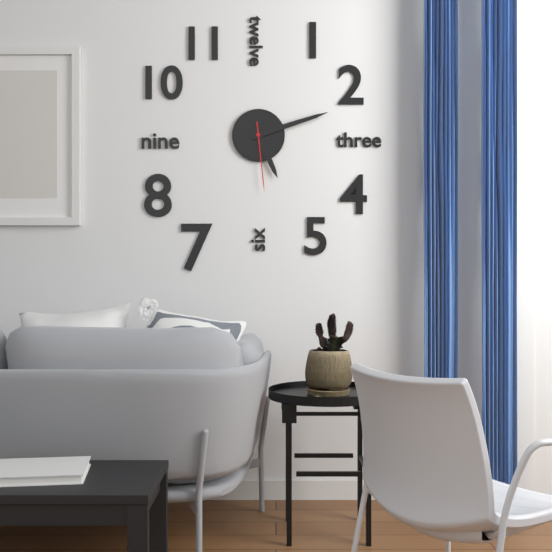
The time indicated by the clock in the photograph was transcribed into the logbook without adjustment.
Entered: 5:12:29
